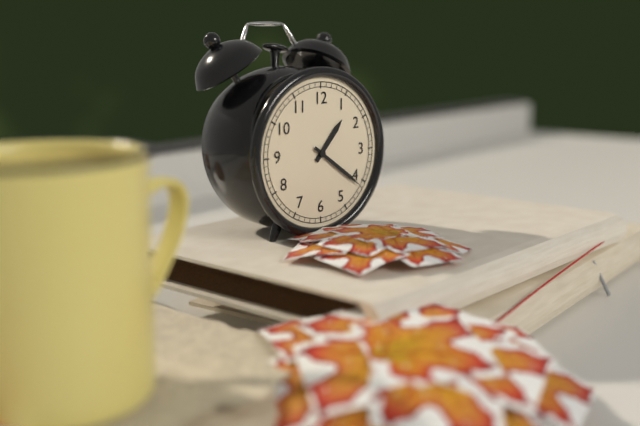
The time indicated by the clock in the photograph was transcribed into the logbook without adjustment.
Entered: 1:21
